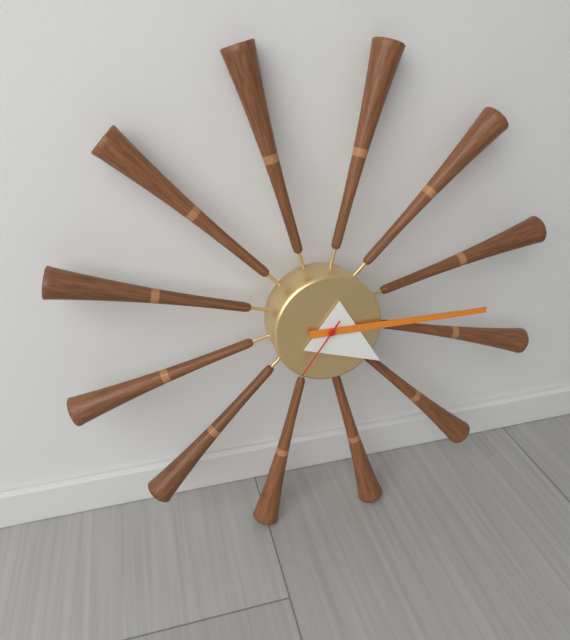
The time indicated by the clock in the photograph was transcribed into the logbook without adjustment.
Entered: 4:15:36
